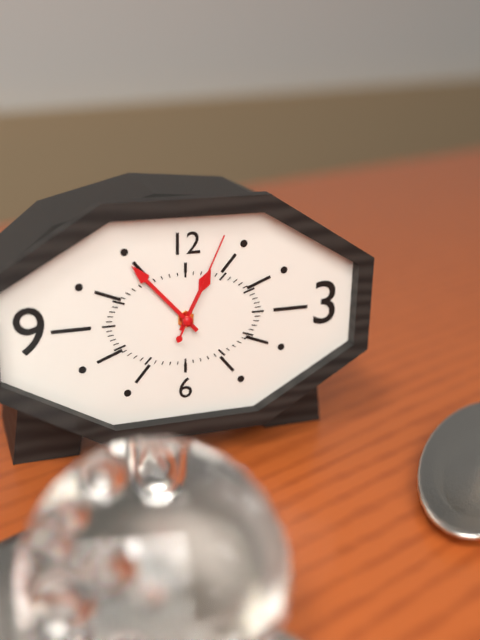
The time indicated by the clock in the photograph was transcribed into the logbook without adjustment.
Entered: 12:53:04
